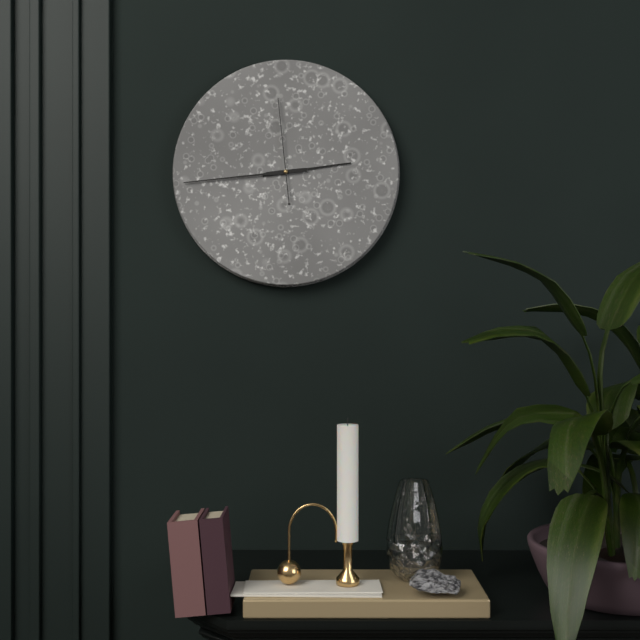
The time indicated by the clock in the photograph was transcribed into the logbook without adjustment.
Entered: 2:44:59
